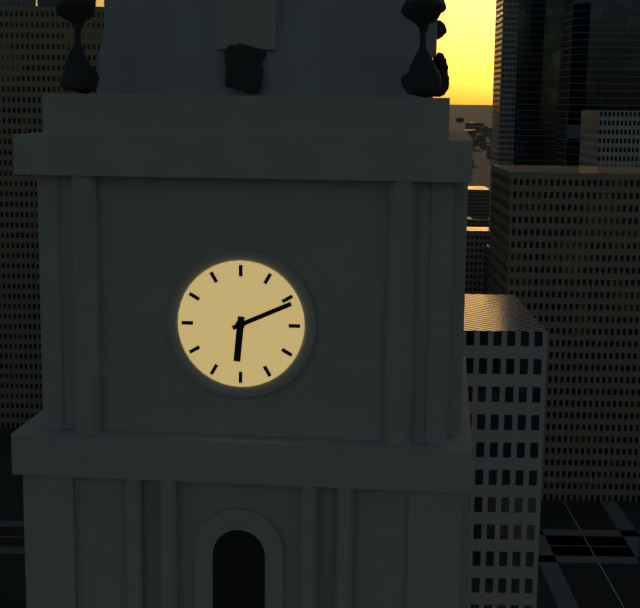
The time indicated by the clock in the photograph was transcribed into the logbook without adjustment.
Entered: 6:11
